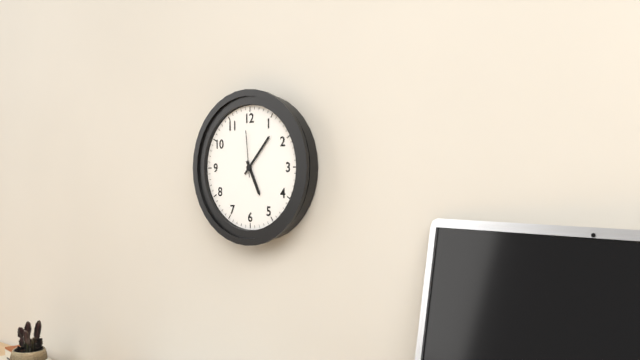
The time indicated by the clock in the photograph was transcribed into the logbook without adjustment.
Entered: 5:07
